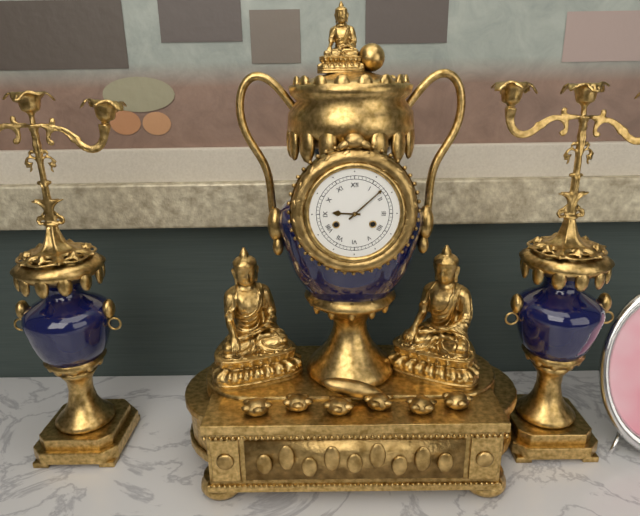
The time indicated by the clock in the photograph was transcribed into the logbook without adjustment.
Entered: 9:08
